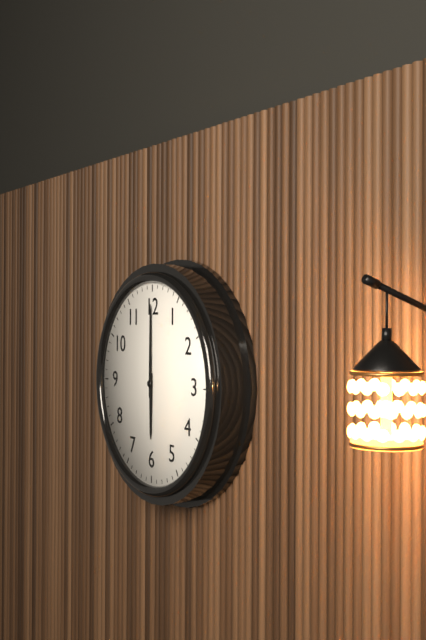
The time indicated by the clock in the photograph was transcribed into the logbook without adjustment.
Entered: 6:00
